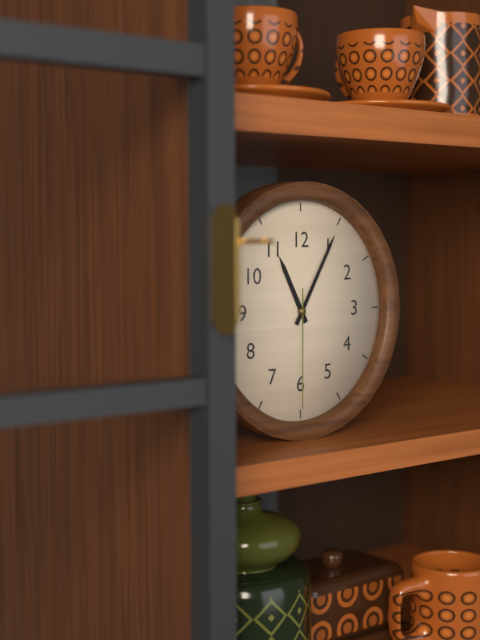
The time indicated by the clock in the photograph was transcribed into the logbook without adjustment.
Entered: 11:05:30
